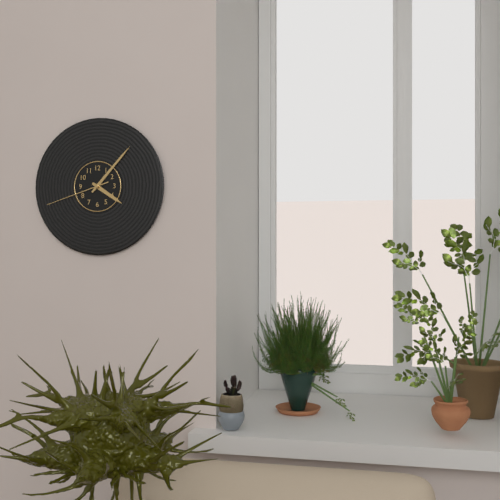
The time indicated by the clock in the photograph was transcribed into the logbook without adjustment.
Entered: 4:07:42
